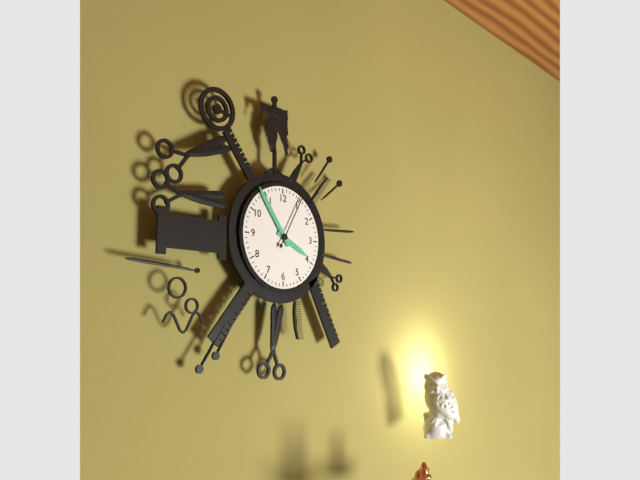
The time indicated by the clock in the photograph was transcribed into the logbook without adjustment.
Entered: 3:54:05
